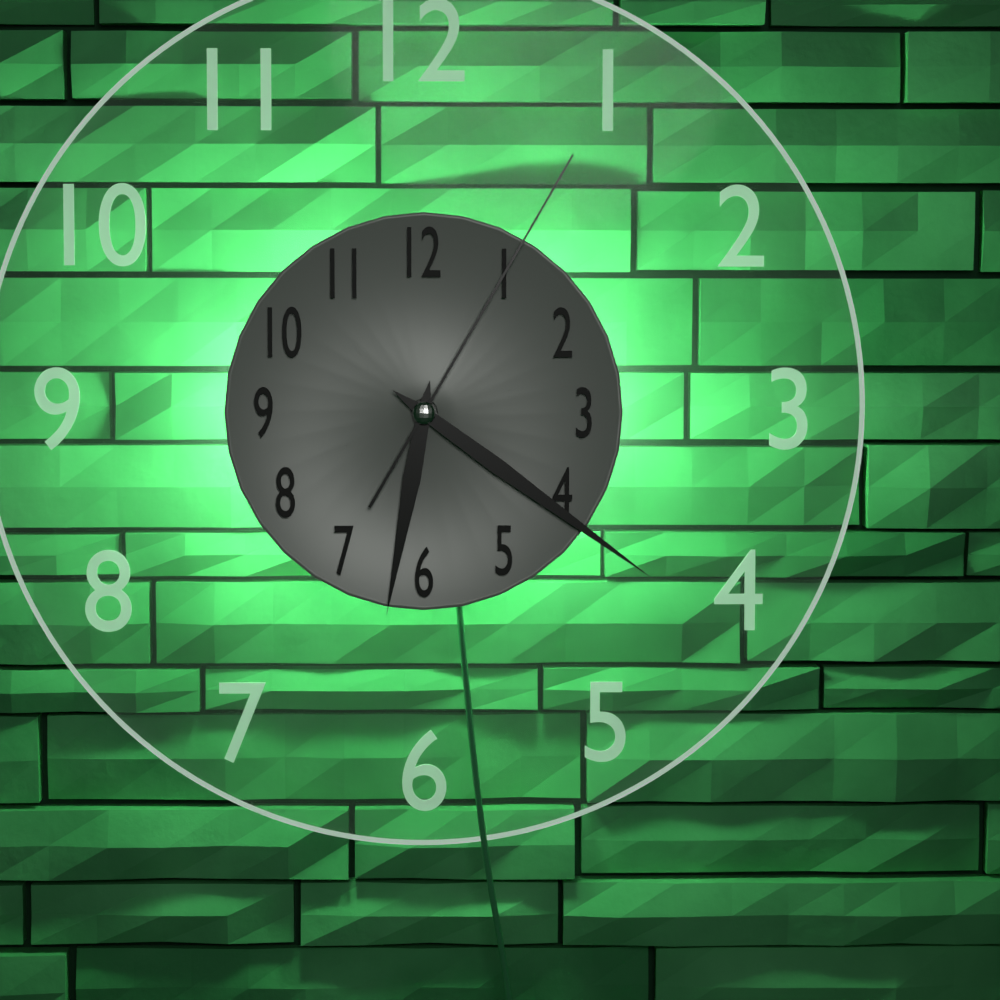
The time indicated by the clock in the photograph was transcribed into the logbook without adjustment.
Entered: 6:21:05
